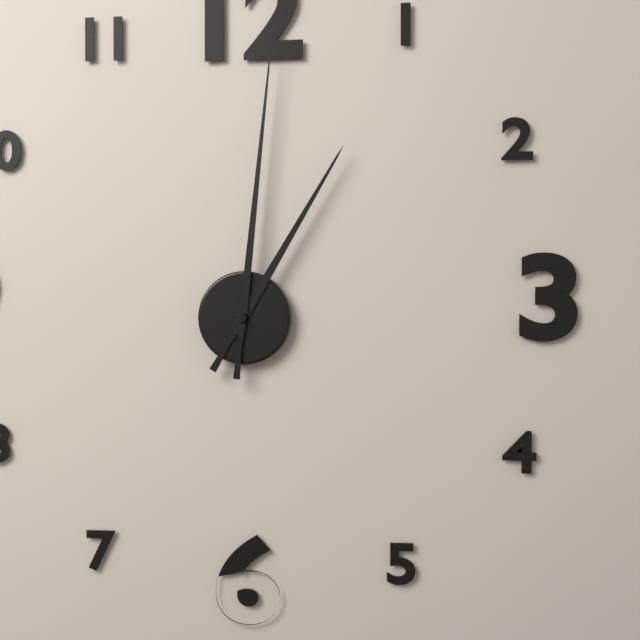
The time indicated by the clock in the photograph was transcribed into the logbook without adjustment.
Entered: 1:01
